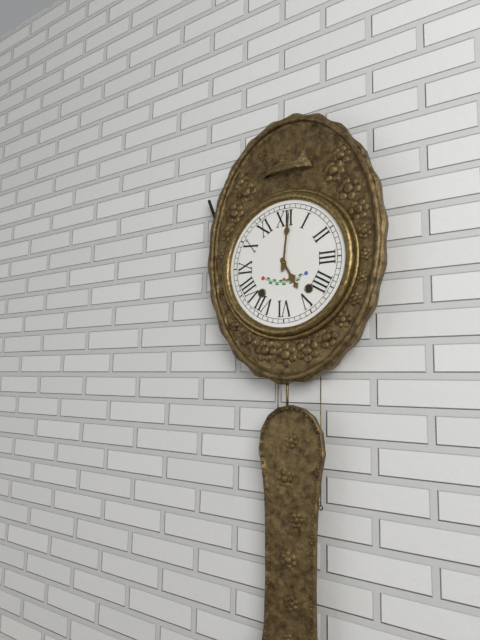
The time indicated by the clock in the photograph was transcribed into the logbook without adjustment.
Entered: 5:01
